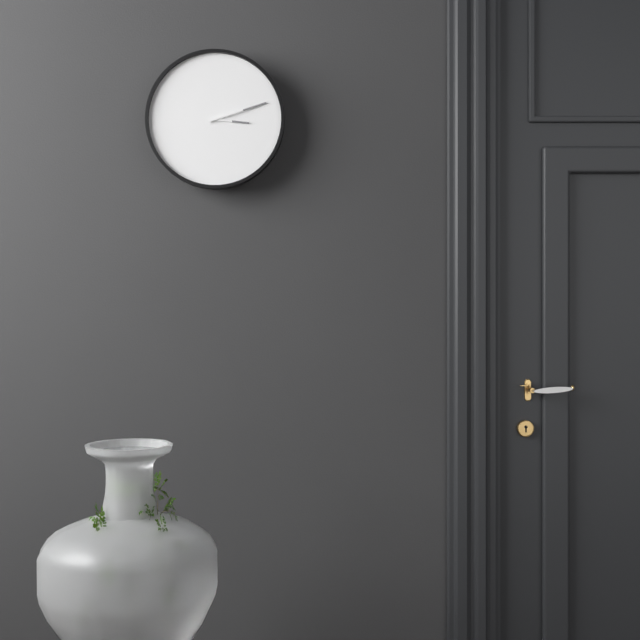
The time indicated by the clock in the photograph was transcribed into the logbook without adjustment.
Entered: 3:12
